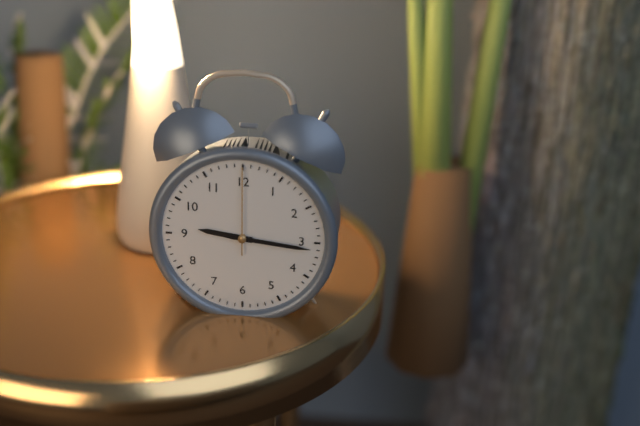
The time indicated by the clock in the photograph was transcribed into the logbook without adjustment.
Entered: 9:16:00
